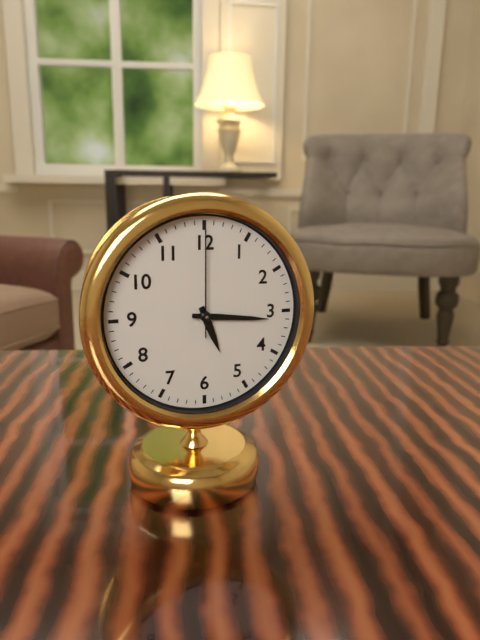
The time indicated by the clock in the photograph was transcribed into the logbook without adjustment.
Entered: 5:16:00
